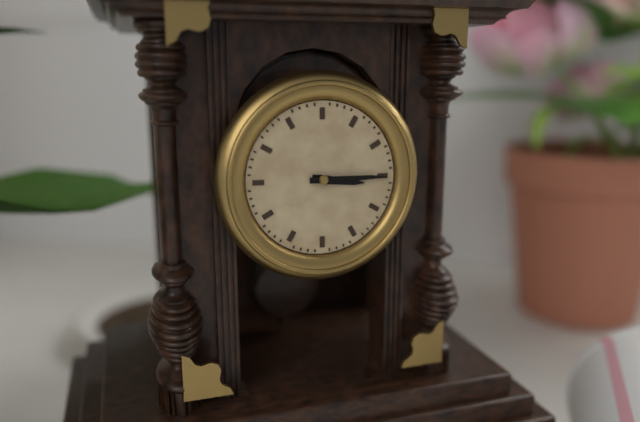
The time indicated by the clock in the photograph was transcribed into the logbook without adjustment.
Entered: 3:15
